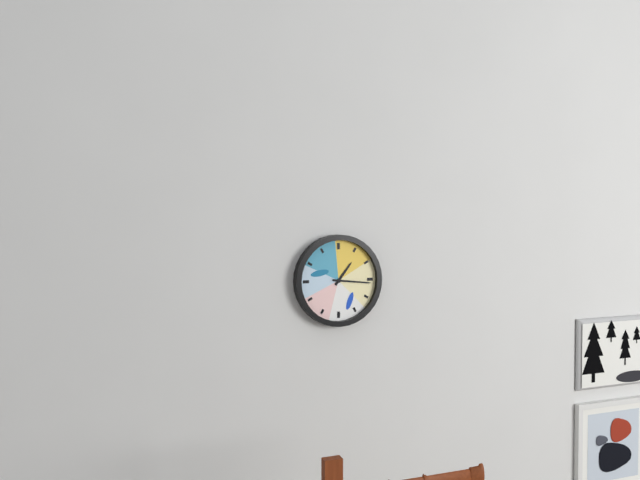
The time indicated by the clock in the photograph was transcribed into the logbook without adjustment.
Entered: 1:16
